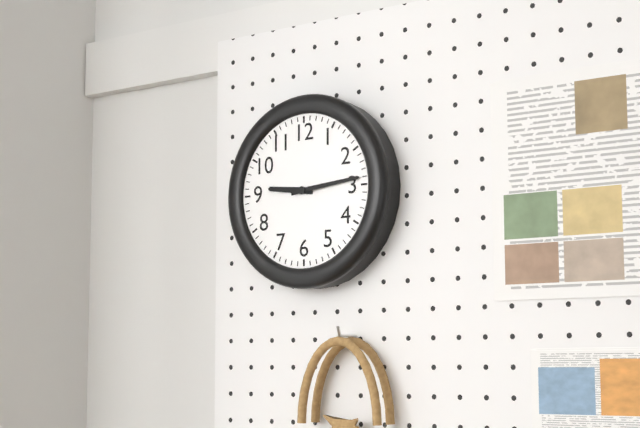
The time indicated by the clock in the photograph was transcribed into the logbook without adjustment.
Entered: 9:14
